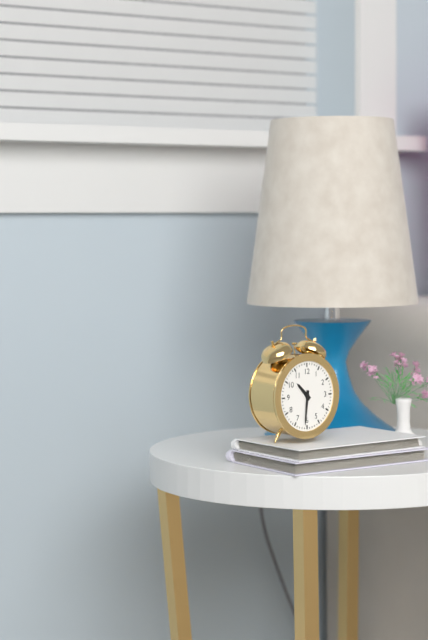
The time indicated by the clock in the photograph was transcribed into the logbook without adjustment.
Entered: 10:31
